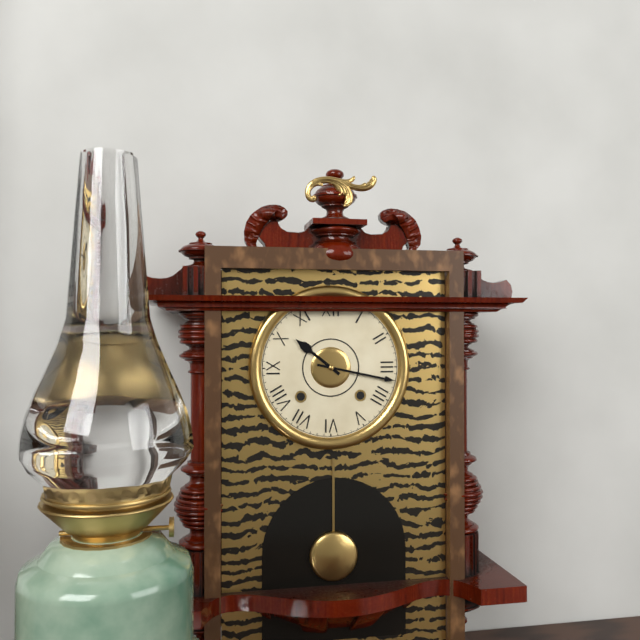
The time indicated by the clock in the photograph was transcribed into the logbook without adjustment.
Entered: 10:17
